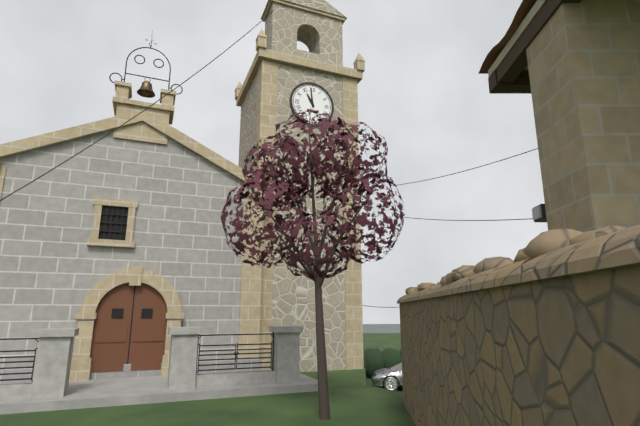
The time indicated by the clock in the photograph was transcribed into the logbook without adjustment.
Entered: 10:59
